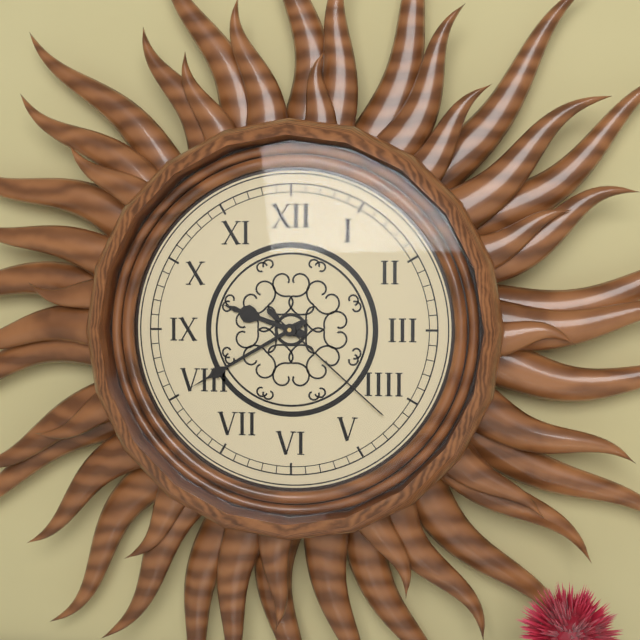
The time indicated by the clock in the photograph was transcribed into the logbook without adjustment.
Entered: 9:40:22
